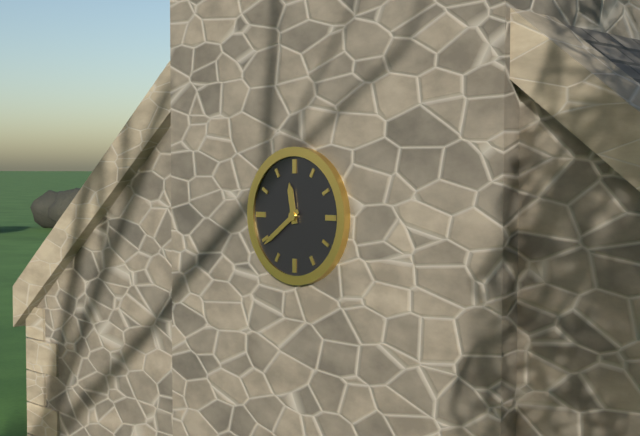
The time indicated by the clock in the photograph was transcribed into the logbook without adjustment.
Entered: 11:39
